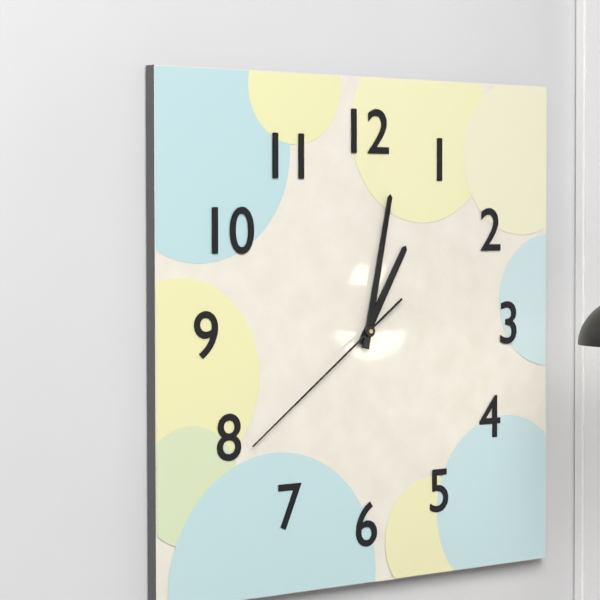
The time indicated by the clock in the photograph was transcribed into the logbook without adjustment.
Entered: 1:02:39
